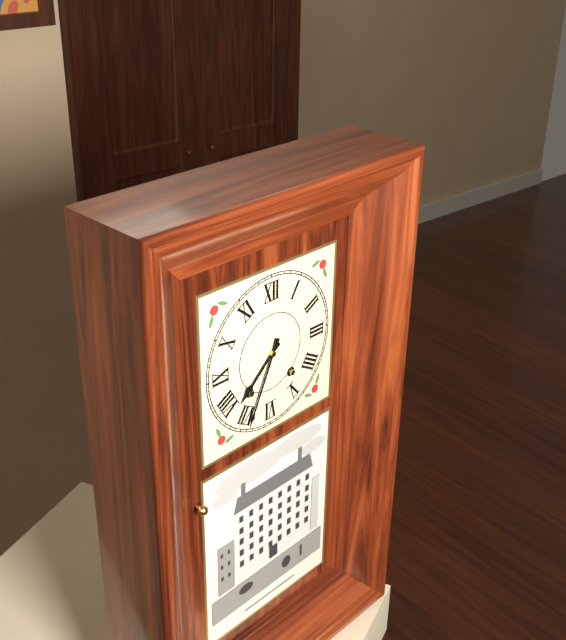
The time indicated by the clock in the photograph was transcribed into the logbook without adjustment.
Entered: 7:34
